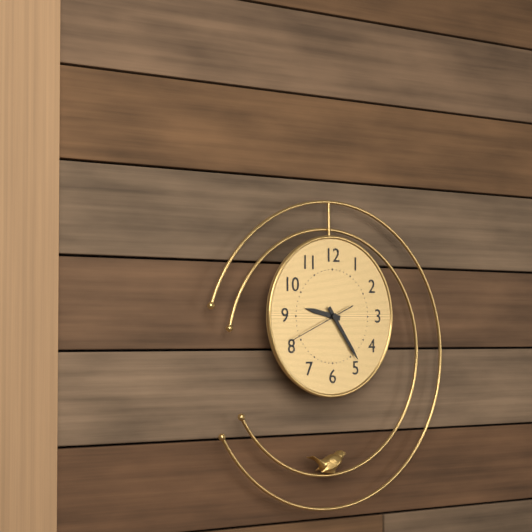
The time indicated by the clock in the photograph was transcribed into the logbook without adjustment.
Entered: 9:24:41
